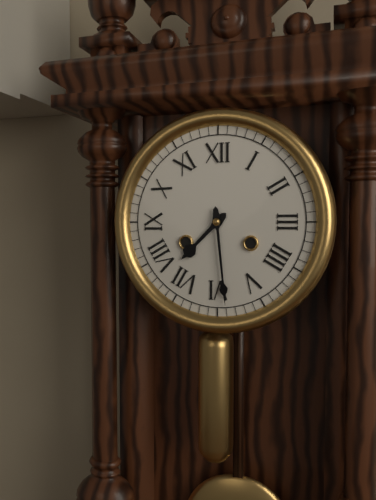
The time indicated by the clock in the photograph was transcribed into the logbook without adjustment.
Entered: 7:29
